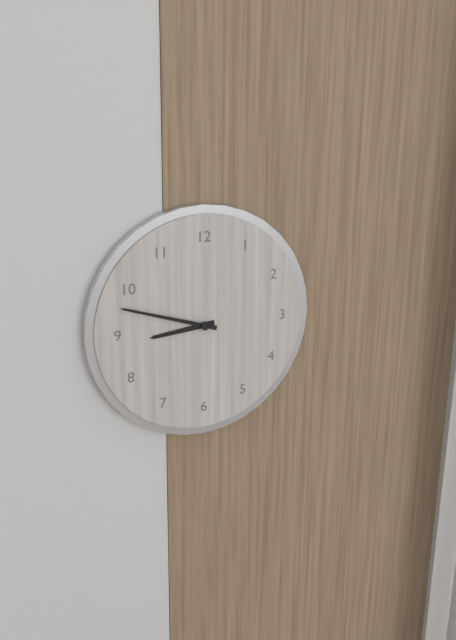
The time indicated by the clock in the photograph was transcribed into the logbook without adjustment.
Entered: 8:48
